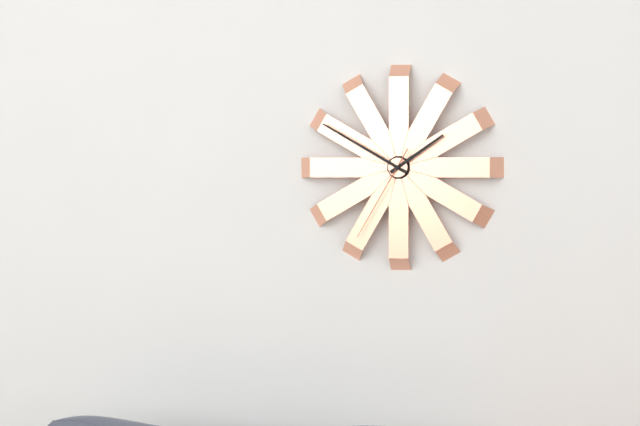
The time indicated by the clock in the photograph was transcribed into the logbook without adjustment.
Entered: 1:50:35
